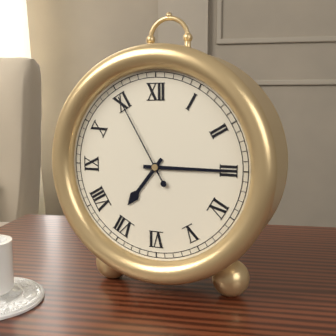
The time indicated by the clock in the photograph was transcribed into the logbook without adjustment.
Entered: 7:15:55
